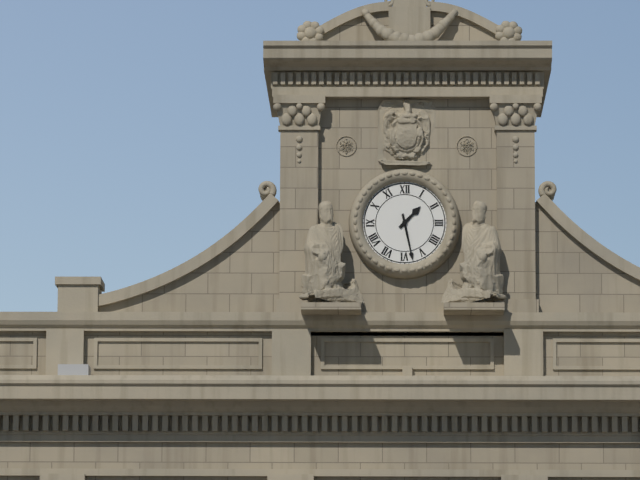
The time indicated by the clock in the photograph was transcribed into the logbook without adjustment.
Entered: 1:28
